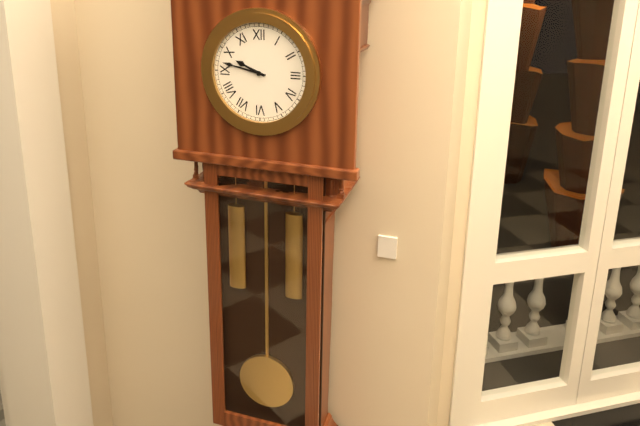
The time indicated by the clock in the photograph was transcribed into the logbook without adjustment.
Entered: 9:47
